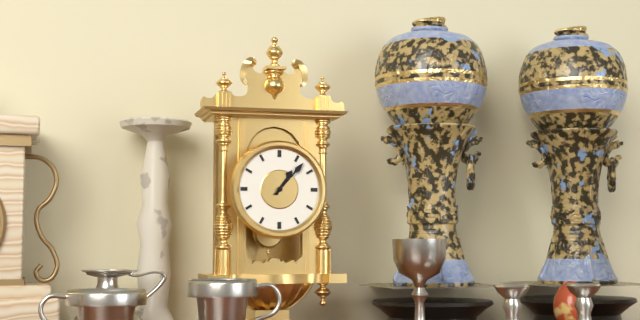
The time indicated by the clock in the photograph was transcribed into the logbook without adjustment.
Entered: 1:07
